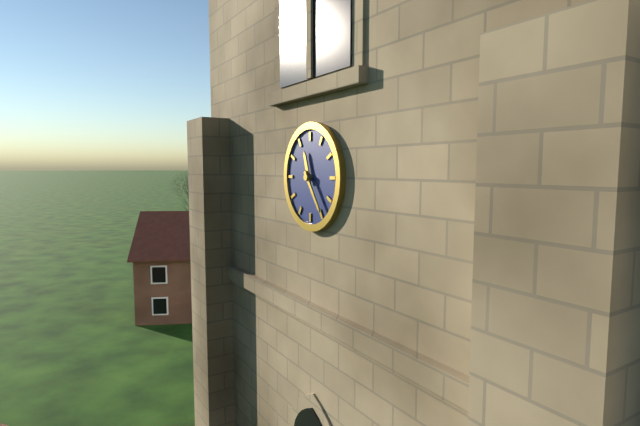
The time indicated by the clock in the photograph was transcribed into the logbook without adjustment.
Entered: 11:24
